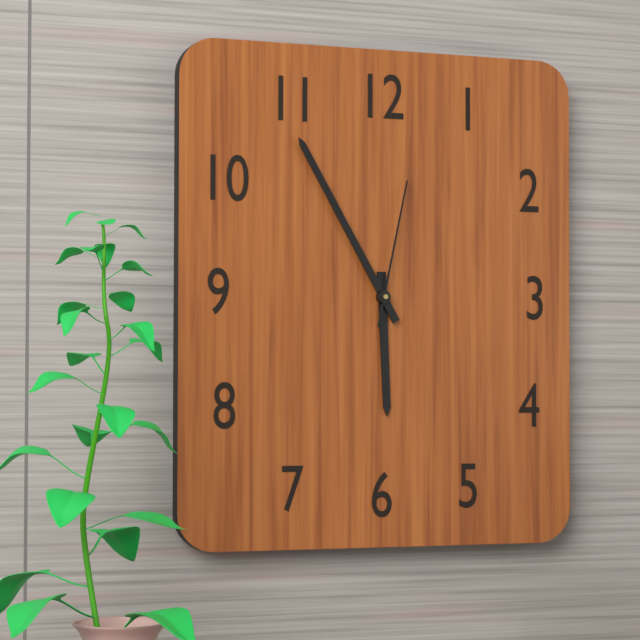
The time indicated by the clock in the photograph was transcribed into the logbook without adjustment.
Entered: 5:55:02
